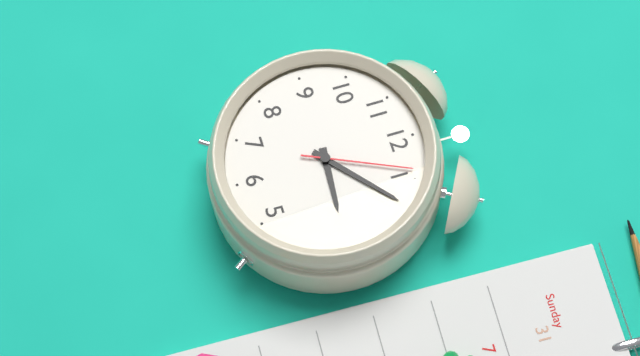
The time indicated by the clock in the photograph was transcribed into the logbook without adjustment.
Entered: 3:08:04
